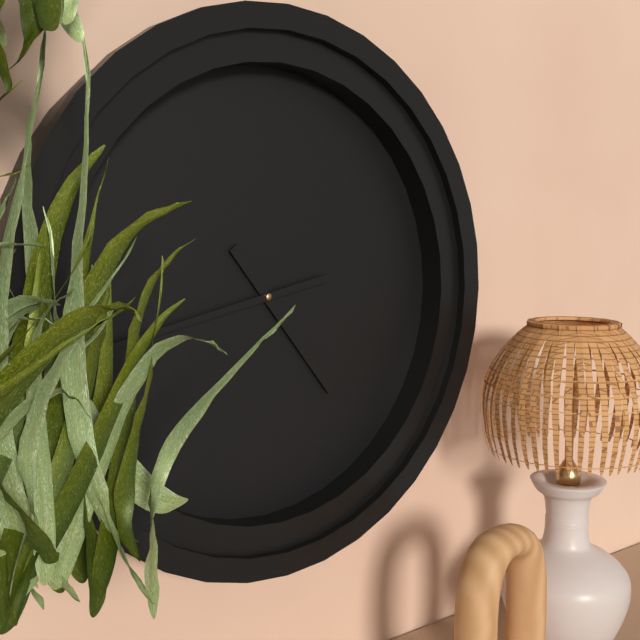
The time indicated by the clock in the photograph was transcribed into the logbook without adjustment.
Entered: 4:43
